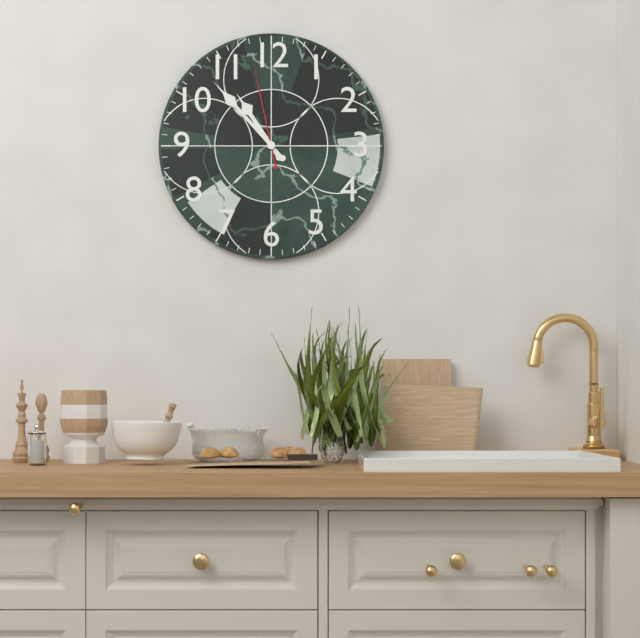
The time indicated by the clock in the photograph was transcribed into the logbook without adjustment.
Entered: 10:53:58
